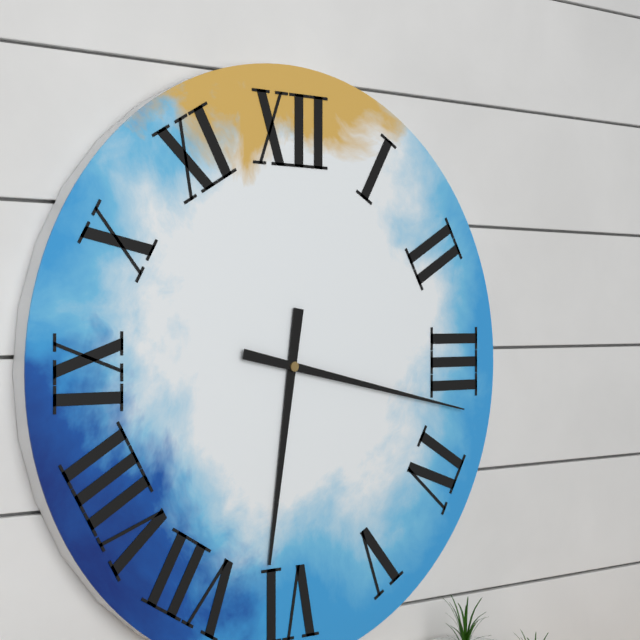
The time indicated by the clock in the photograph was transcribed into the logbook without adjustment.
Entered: 6:17
